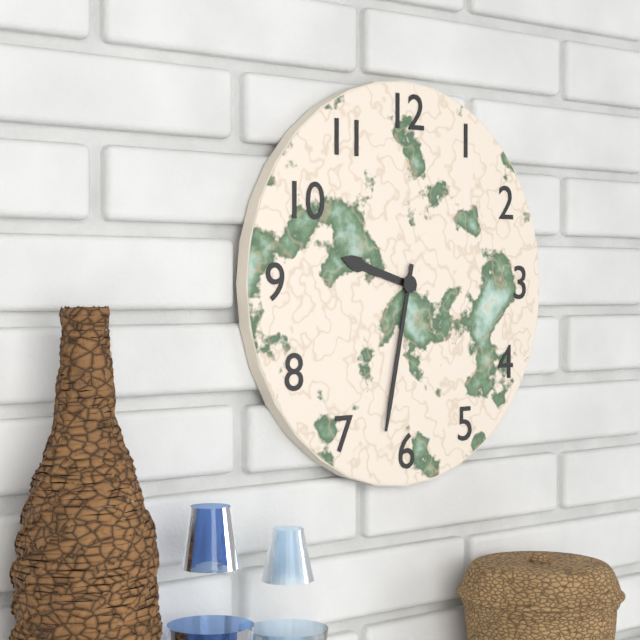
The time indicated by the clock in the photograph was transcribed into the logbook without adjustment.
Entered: 9:32
